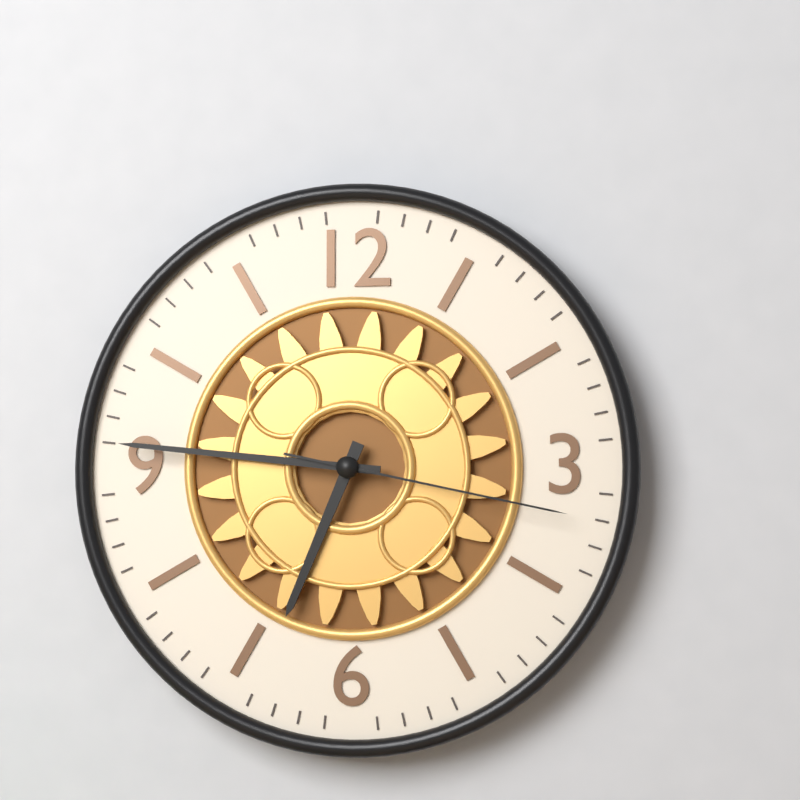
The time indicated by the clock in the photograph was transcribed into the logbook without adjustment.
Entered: 6:46:17
